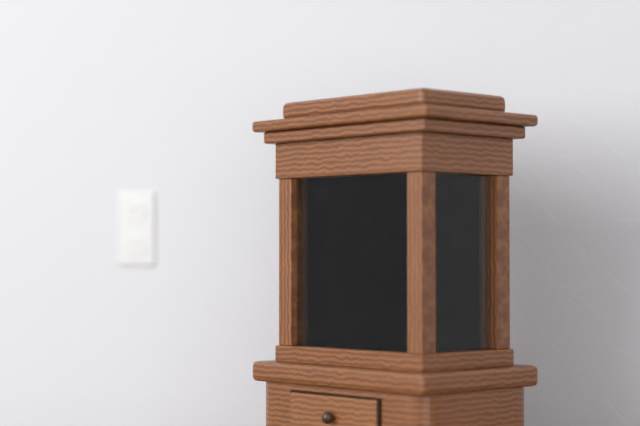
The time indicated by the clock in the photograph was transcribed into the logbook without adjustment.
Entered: 4:25
